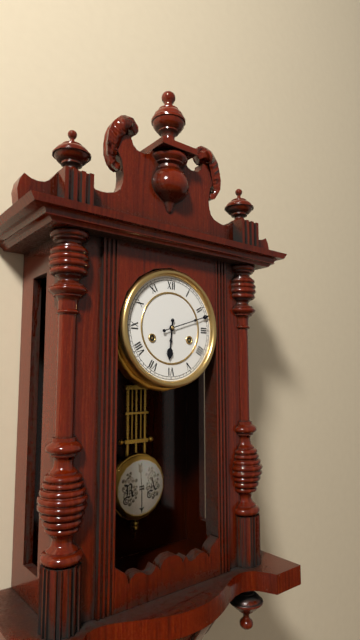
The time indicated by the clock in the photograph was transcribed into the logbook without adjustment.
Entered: 6:12
